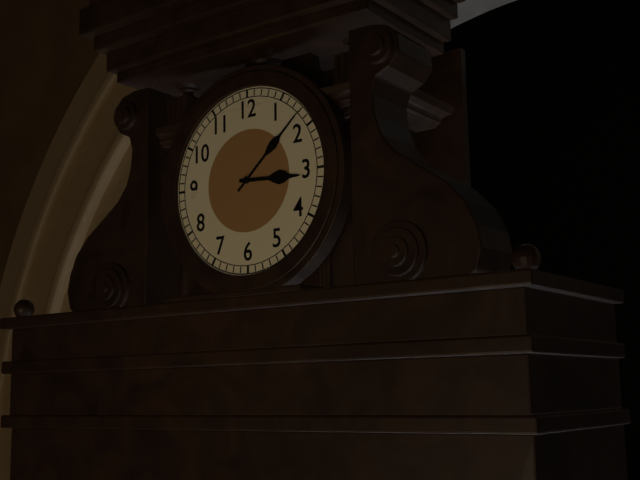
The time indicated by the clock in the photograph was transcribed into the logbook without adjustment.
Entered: 3:08
